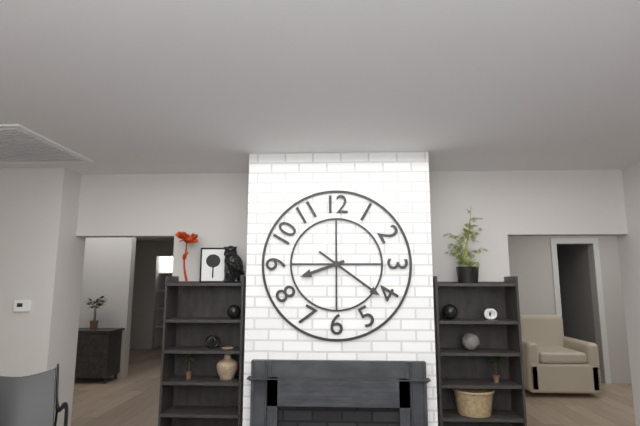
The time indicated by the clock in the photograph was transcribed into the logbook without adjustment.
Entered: 8:21
